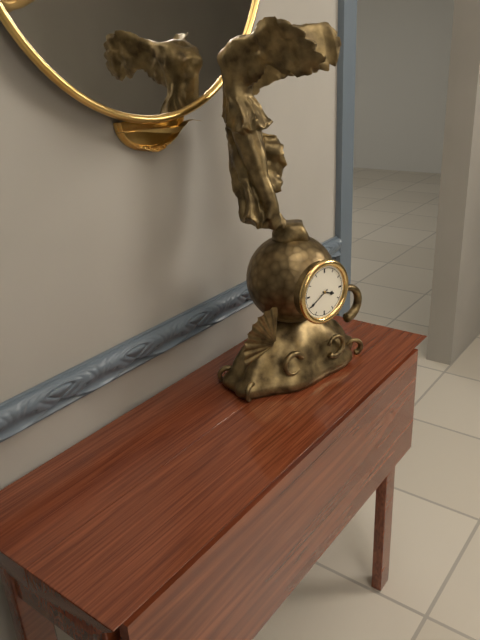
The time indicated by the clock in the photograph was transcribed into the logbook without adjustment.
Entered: 3:40
